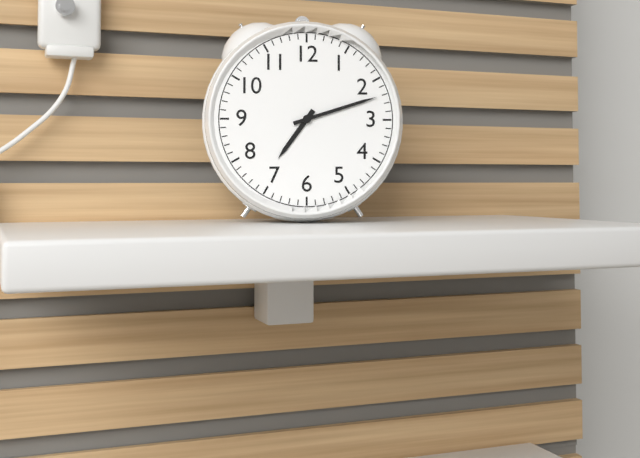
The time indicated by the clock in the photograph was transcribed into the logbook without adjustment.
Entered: 7:12
